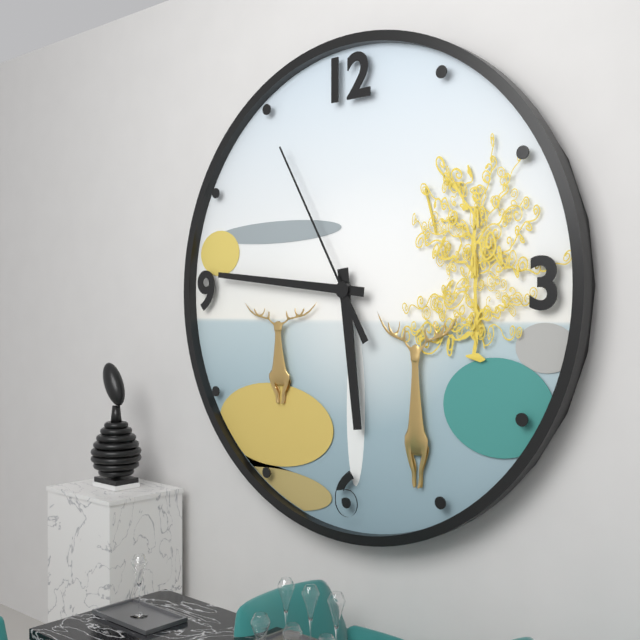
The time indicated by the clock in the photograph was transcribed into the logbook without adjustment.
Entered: 5:46:55
